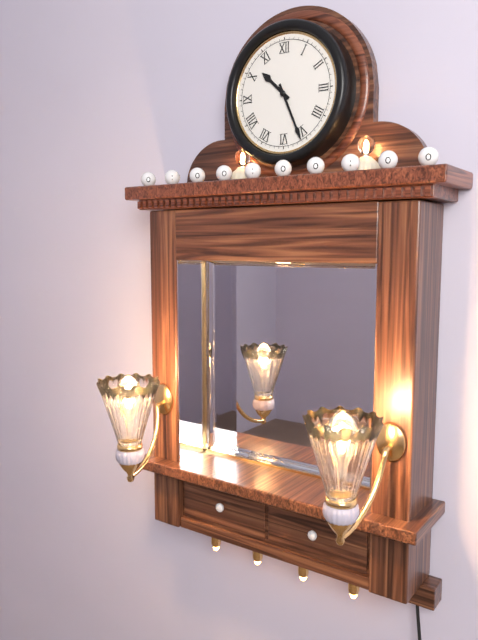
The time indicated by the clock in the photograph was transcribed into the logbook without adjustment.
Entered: 10:26
